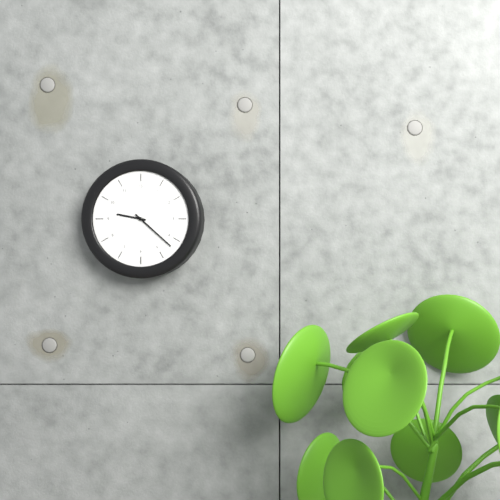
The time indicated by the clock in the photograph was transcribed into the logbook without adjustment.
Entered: 9:22
